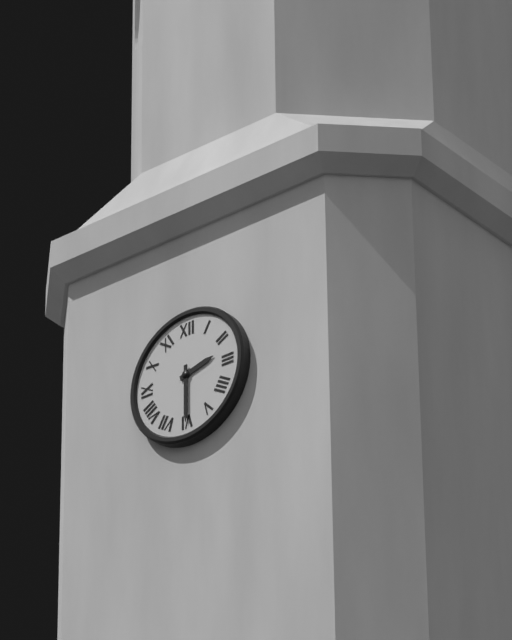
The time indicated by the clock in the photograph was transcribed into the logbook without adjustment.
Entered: 2:30
